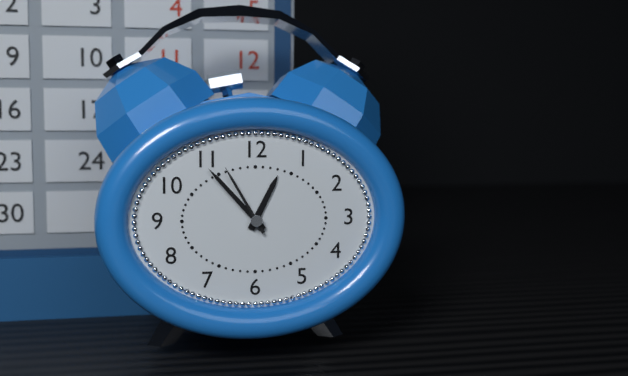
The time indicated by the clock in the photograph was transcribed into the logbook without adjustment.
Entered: 12:53:55
